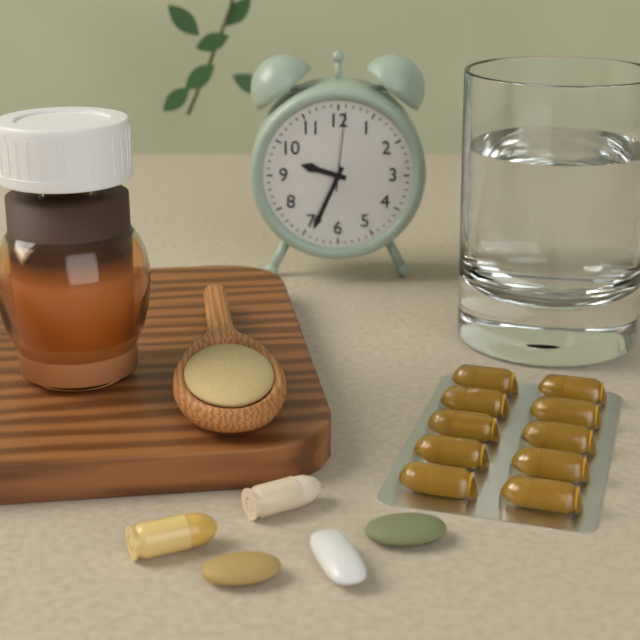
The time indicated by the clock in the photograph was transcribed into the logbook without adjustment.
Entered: 9:34:01
